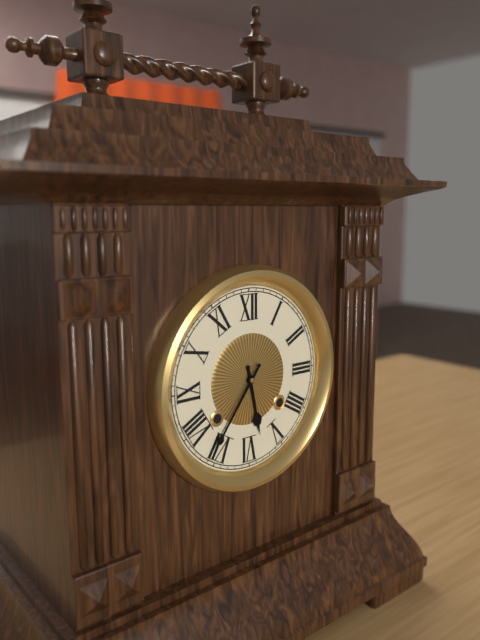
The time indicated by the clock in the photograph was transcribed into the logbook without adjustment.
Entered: 5:36
